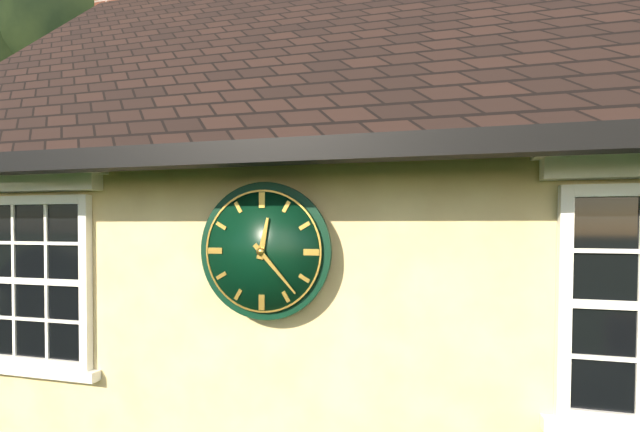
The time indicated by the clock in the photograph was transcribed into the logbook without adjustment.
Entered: 12:23
